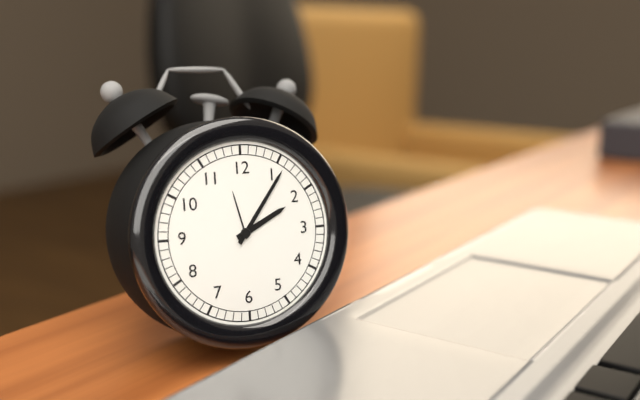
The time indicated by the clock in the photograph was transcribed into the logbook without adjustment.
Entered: 2:06
